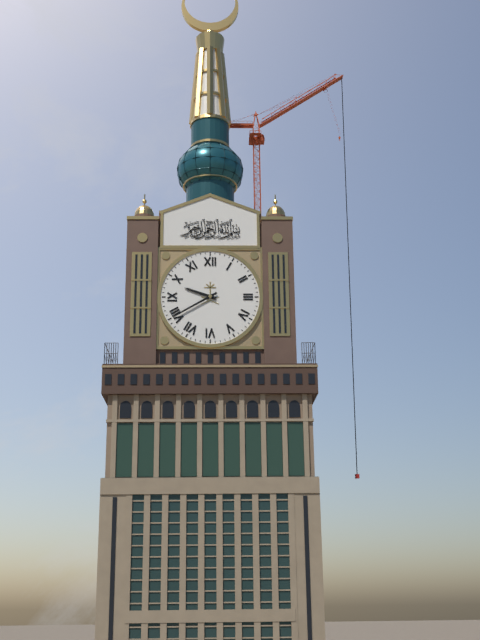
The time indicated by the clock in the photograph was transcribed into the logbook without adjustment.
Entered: 9:40
